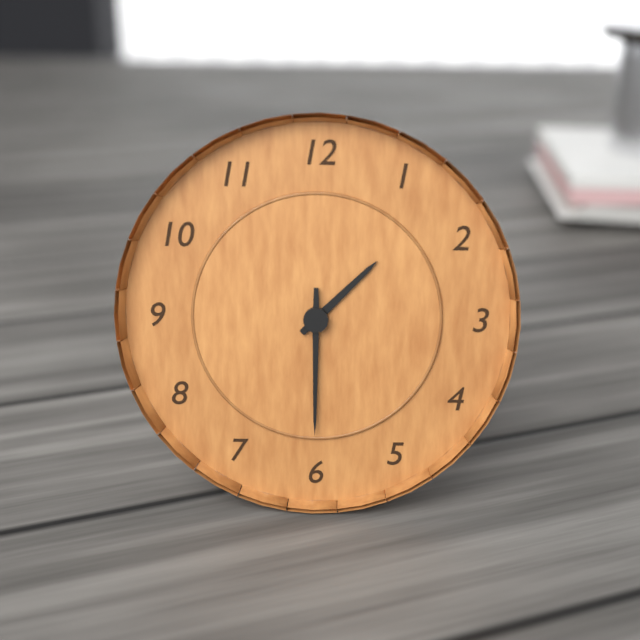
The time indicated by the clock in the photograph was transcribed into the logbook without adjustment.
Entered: 1:30
